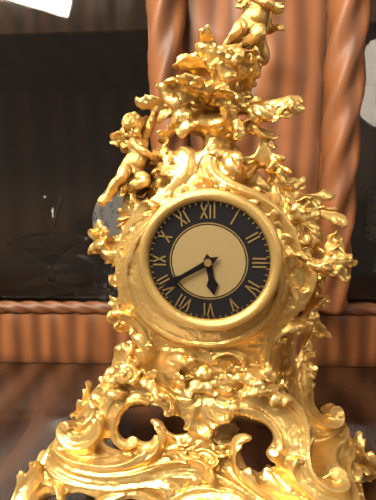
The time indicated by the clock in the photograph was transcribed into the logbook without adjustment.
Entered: 5:40
